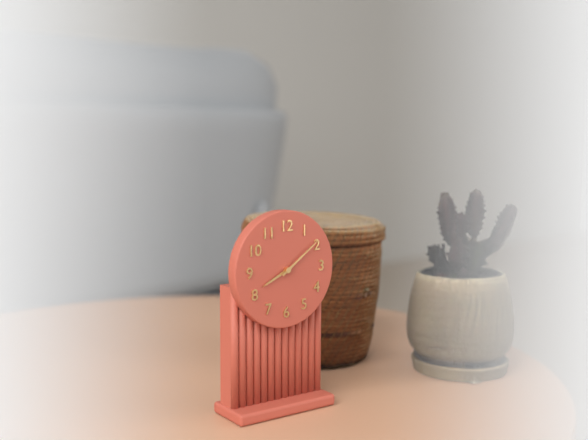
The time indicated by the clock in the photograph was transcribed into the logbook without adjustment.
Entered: 8:09
